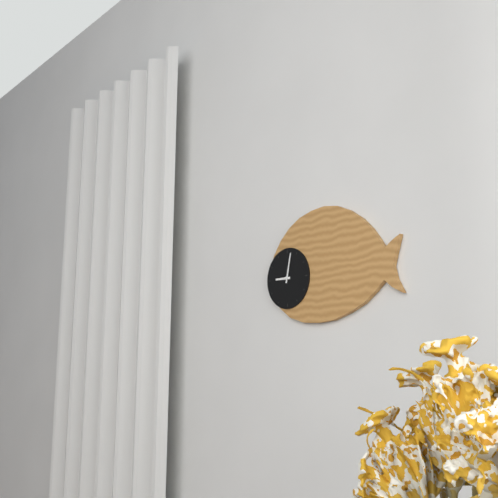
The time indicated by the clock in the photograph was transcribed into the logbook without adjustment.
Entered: 9:02
